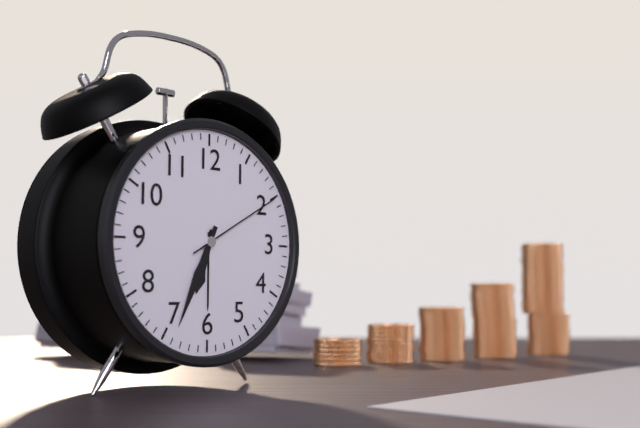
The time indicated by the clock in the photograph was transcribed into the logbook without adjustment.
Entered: 6:34:10
